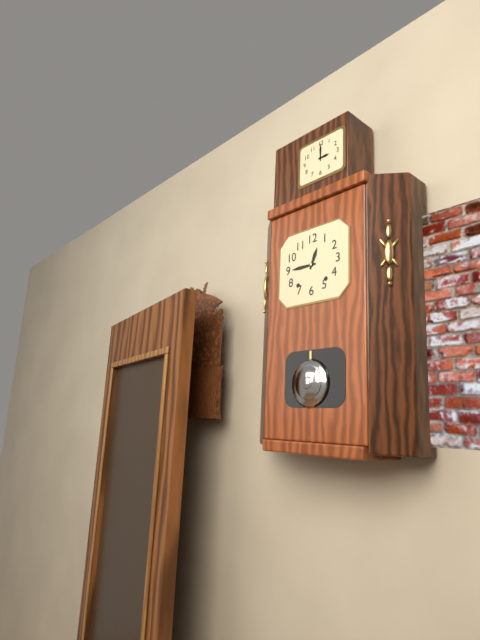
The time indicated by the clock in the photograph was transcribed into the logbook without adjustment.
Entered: 12:45
